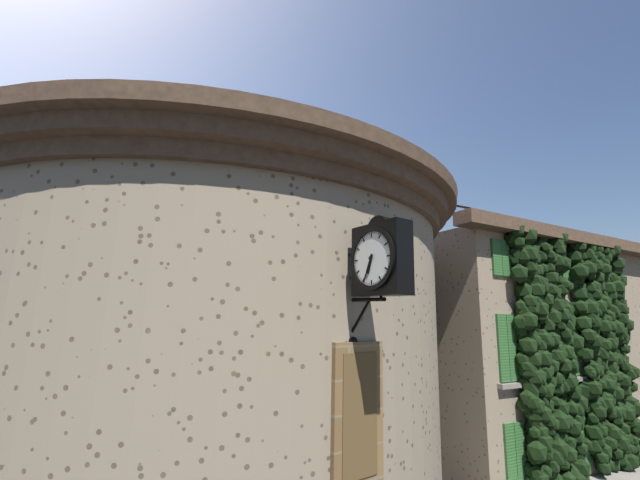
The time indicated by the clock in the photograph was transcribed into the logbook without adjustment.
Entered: 6:34
